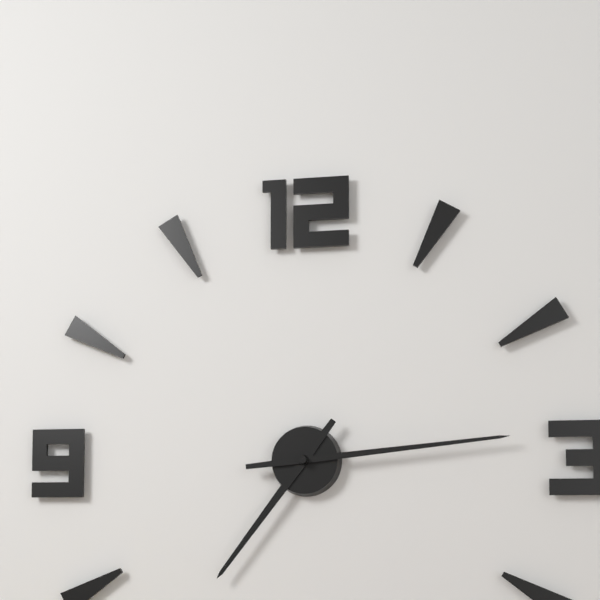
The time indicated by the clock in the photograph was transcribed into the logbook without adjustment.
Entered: 7:14
